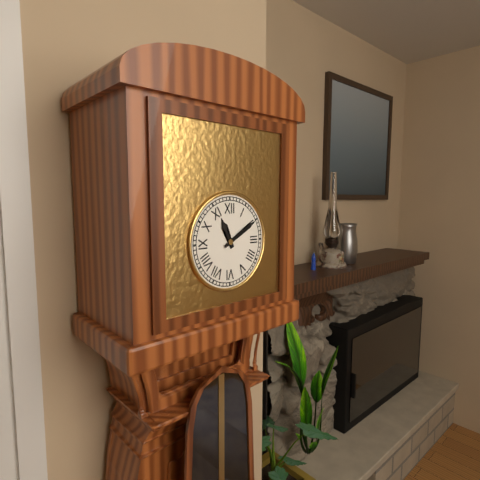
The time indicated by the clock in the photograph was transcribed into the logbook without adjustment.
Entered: 11:10
